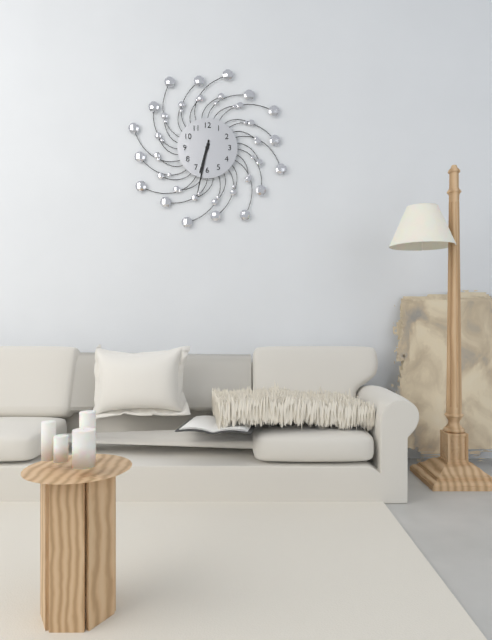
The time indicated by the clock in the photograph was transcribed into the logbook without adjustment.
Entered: 6:32
